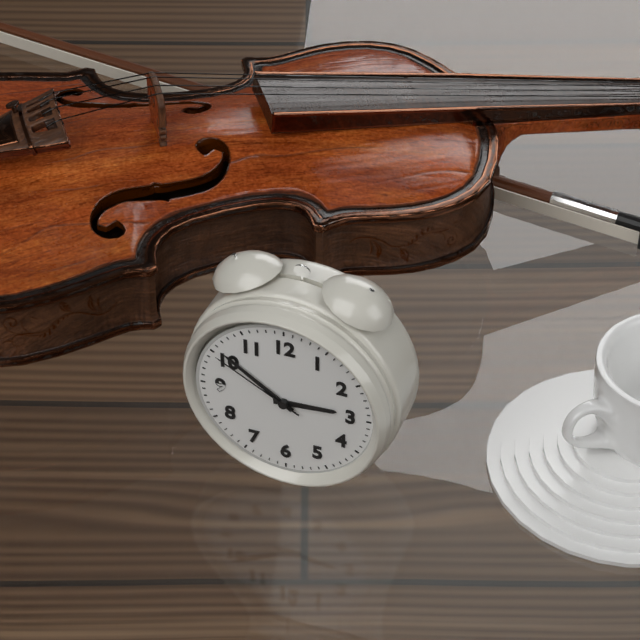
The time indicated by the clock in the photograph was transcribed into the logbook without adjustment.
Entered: 2:51:50
